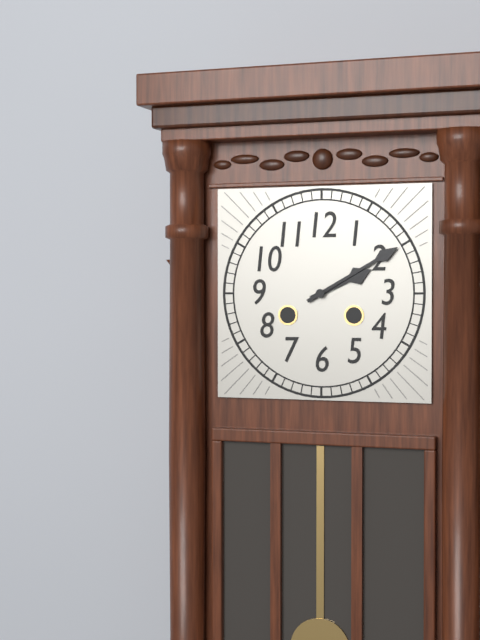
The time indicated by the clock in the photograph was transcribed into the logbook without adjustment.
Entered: 2:10
